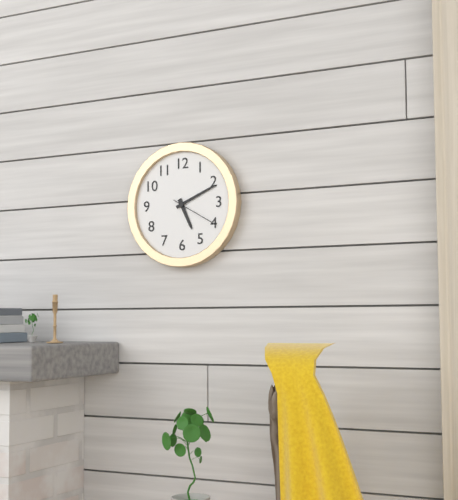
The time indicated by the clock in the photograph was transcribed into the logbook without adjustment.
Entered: 5:11
